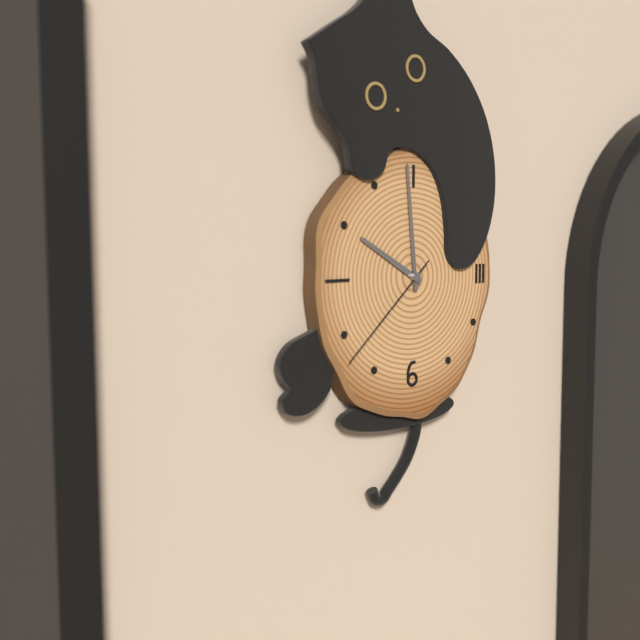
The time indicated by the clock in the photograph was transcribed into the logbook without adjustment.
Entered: 9:59:38
